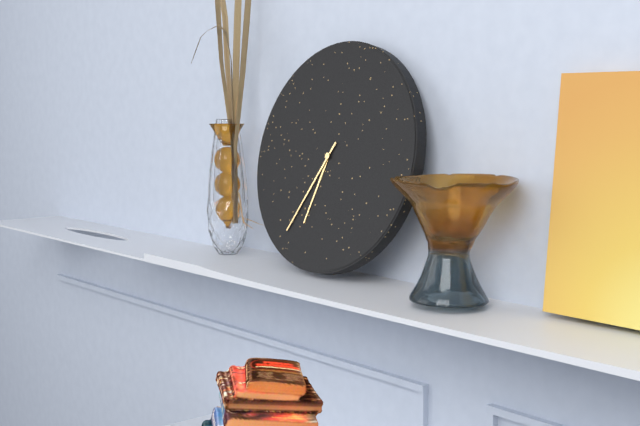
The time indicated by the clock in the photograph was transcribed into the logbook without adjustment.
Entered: 6:35
